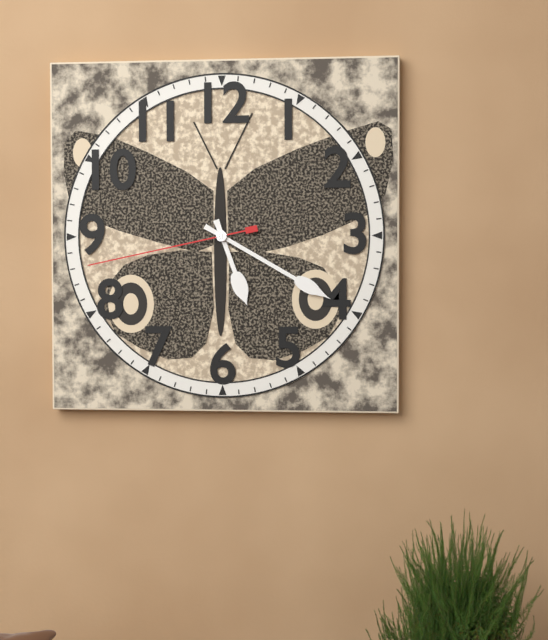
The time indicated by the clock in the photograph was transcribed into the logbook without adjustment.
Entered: 5:20:43
